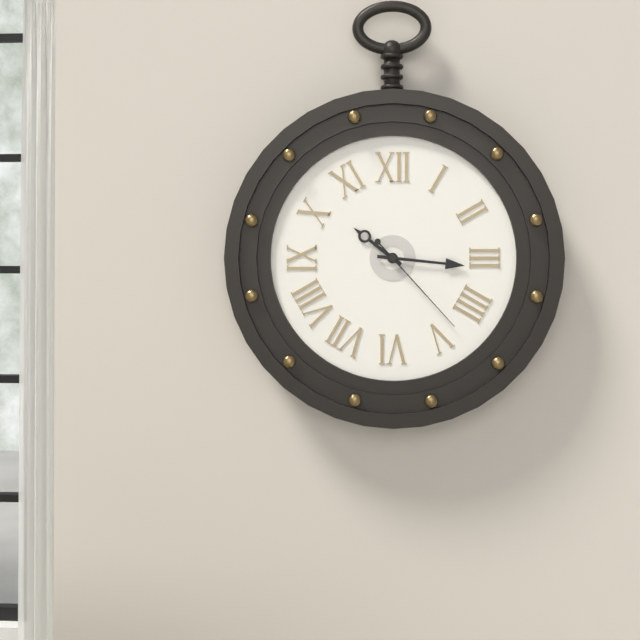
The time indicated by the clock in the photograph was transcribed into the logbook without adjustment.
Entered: 10:16:23
